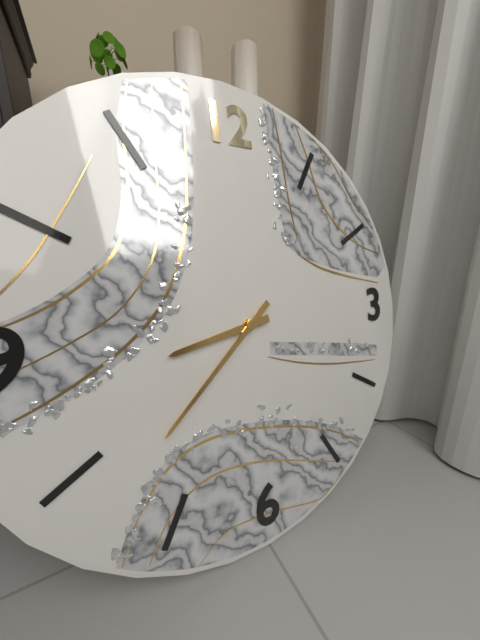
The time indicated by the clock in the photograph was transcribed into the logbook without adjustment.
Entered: 8:38
